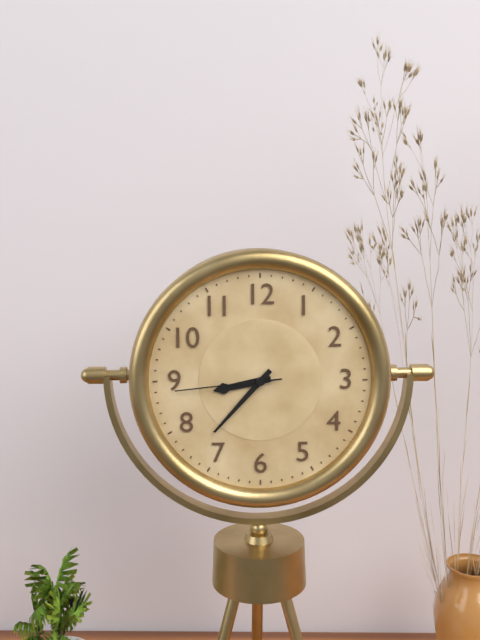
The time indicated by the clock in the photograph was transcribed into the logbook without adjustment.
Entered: 8:37:44
